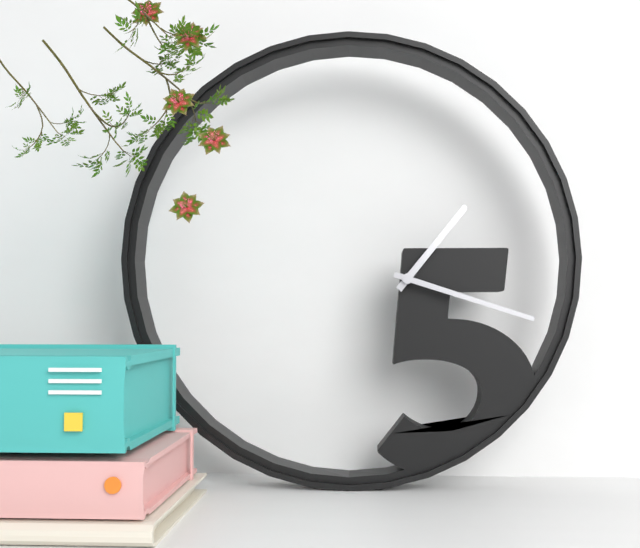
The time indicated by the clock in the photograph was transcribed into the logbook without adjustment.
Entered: 1:18
